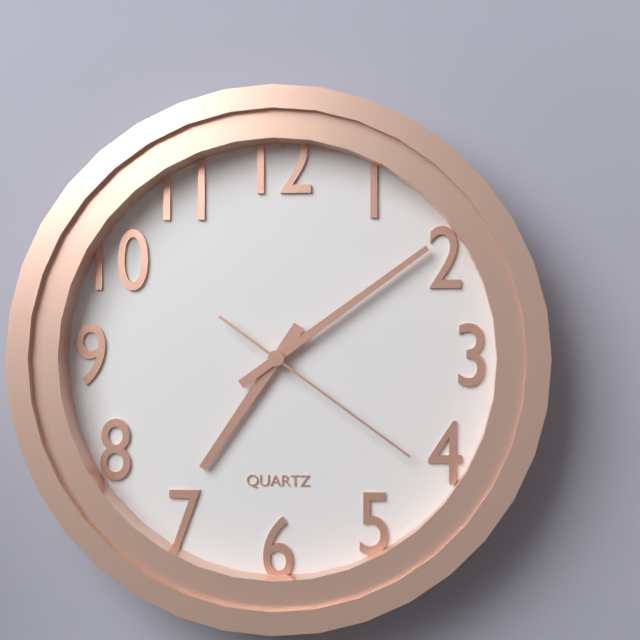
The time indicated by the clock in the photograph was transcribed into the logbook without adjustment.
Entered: 7:09:21
